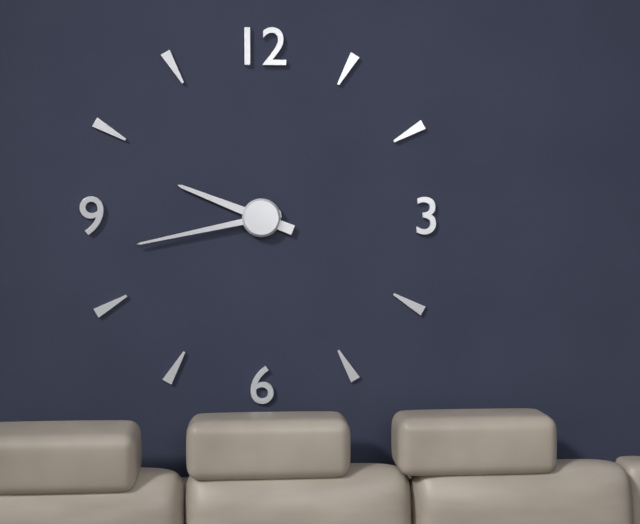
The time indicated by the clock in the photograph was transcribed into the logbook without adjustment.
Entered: 9:43
